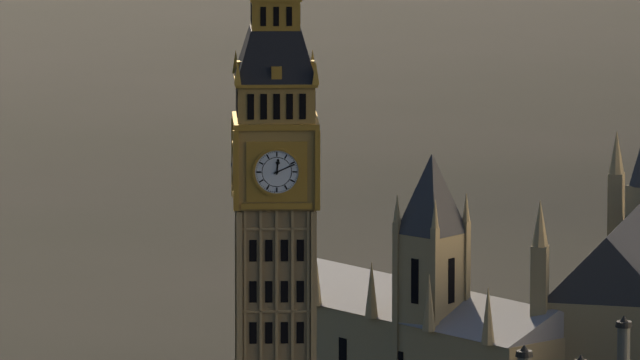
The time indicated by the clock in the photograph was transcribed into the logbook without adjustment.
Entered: 12:11
